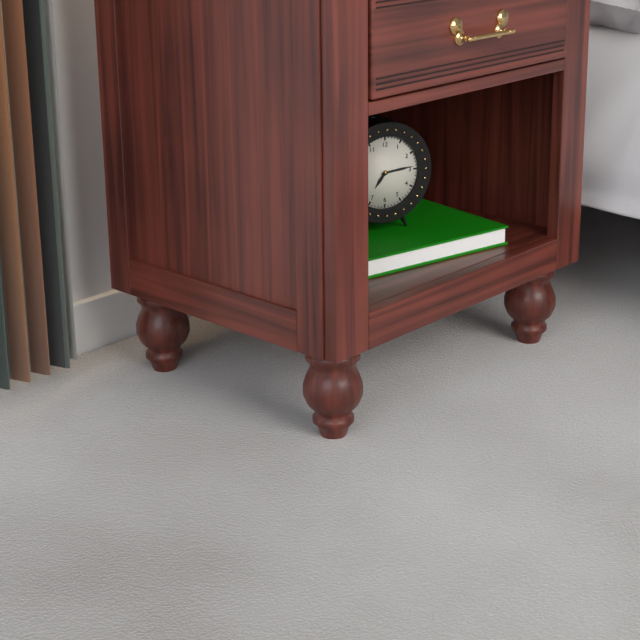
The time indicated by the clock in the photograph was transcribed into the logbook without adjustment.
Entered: 7:14
